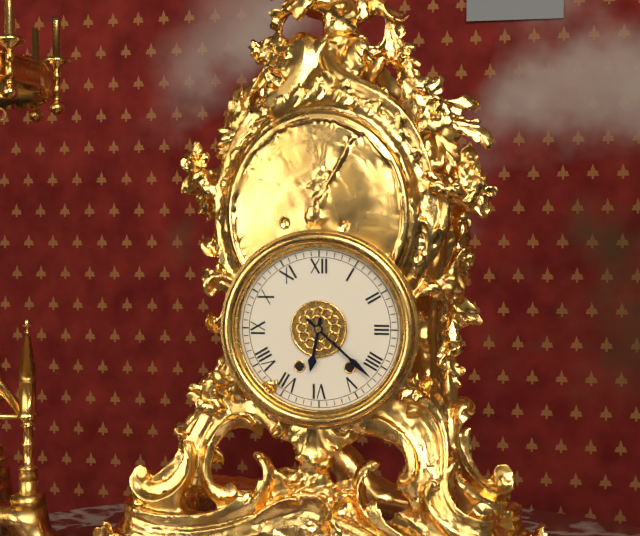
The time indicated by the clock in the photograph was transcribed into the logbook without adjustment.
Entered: 6:22
